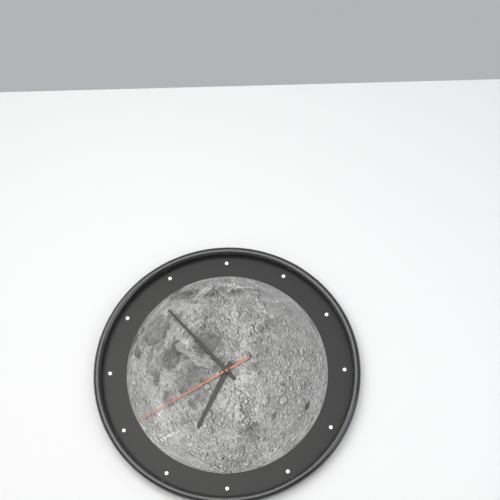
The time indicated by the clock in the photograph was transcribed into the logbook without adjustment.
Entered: 6:53:40
